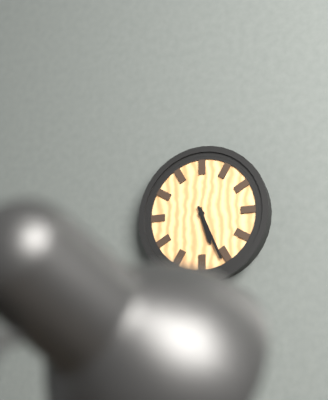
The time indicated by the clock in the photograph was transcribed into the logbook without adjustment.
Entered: 5:26
